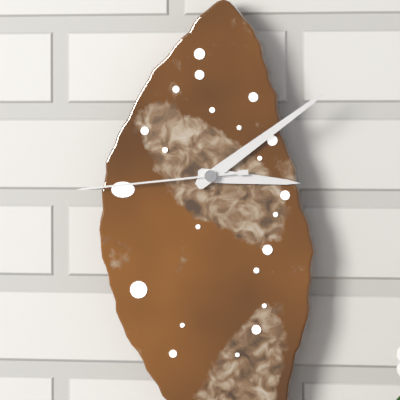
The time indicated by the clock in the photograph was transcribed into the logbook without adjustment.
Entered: 3:09:44
